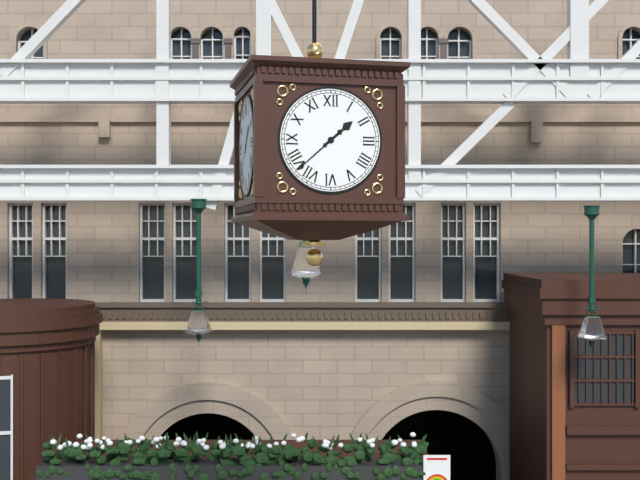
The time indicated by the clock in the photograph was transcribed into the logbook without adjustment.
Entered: 1:38
